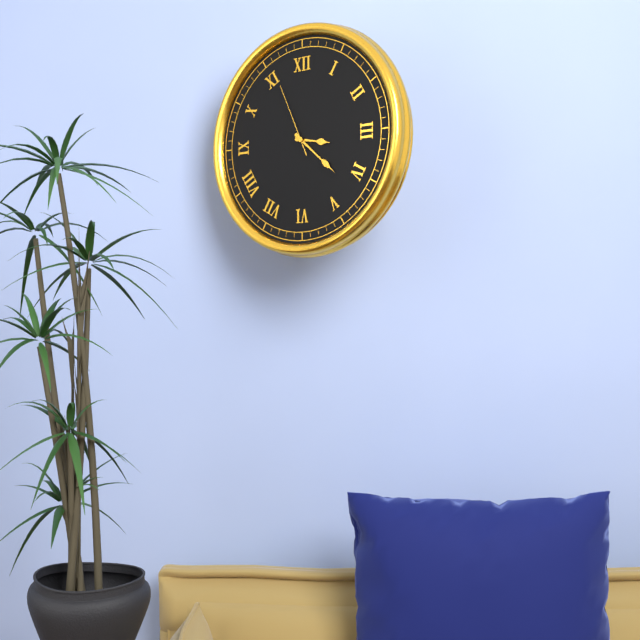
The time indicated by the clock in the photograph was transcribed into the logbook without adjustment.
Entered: 3:22:56
